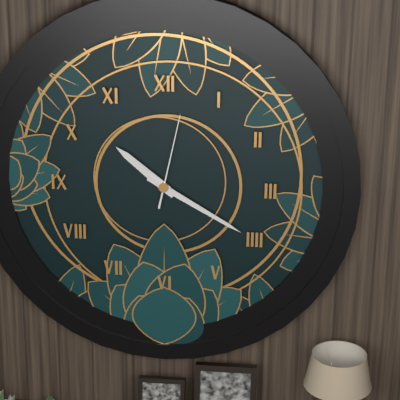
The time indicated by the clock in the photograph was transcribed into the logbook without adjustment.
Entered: 10:20:02
